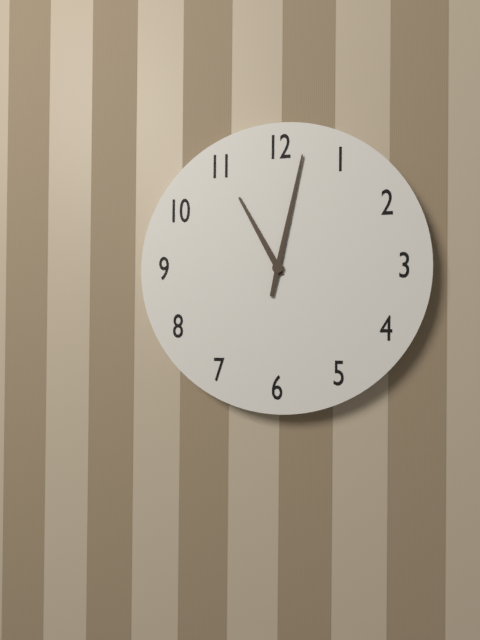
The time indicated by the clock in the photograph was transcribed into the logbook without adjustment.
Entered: 11:02
